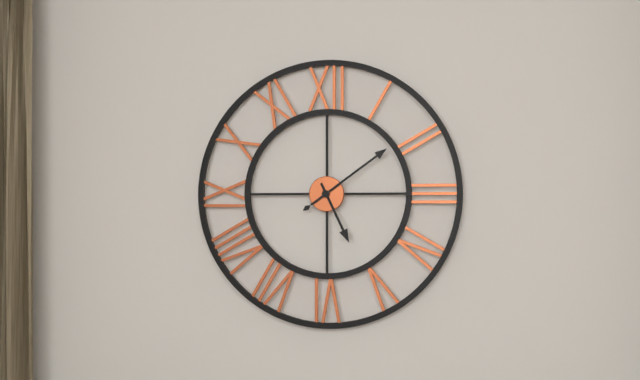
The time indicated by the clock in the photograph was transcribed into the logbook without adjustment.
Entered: 5:09
